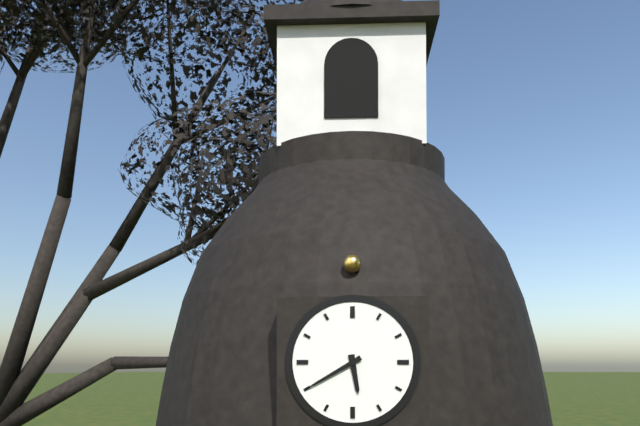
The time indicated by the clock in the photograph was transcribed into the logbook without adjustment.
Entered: 5:40
